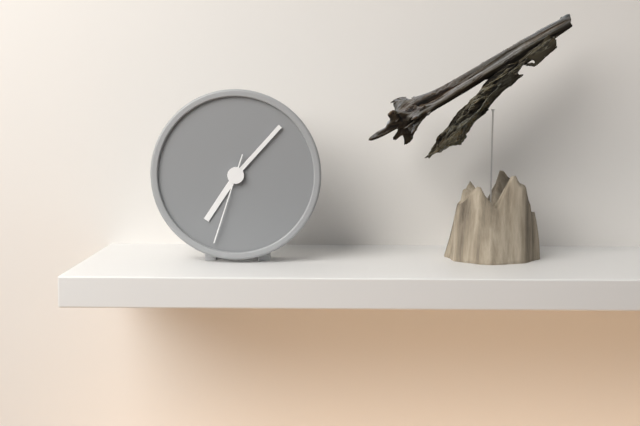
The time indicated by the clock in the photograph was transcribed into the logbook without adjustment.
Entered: 7:07:33
